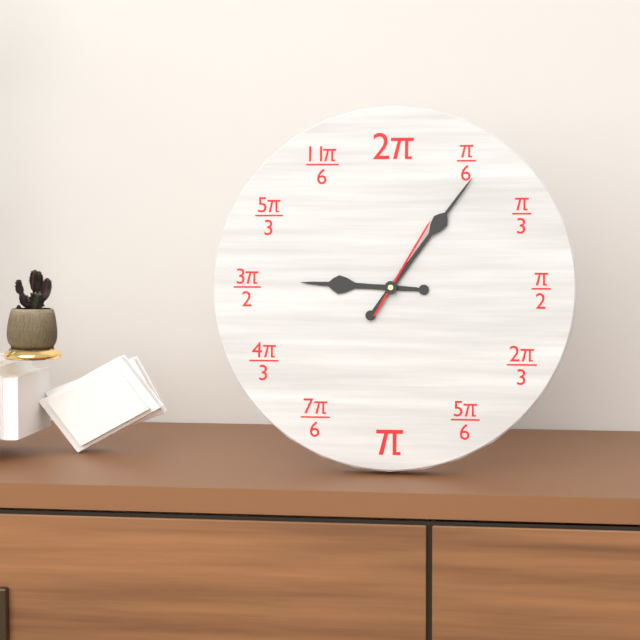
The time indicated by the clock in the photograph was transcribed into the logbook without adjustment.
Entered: 9:06:05
